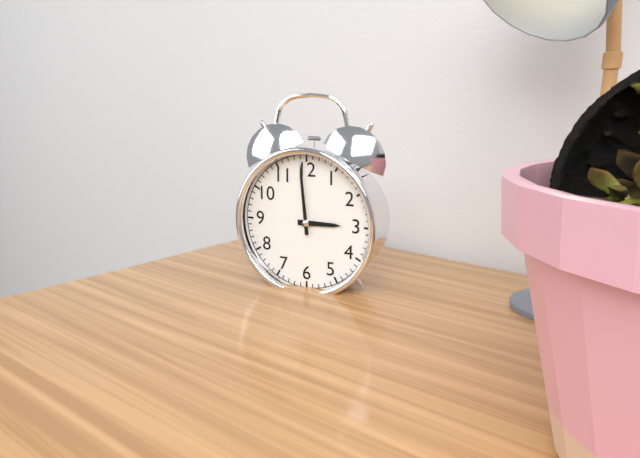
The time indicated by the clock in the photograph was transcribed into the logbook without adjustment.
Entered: 2:59
